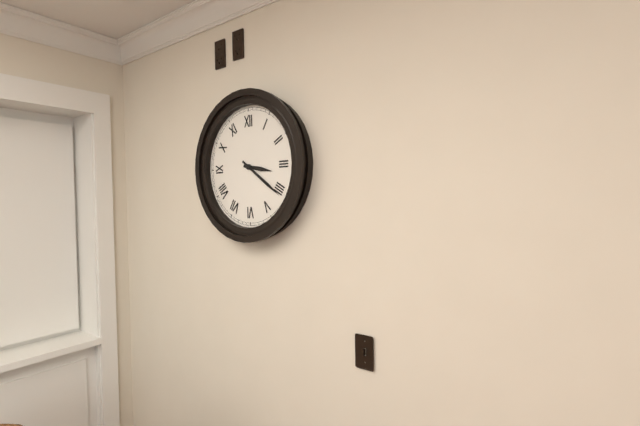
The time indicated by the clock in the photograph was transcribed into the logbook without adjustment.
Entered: 3:21
